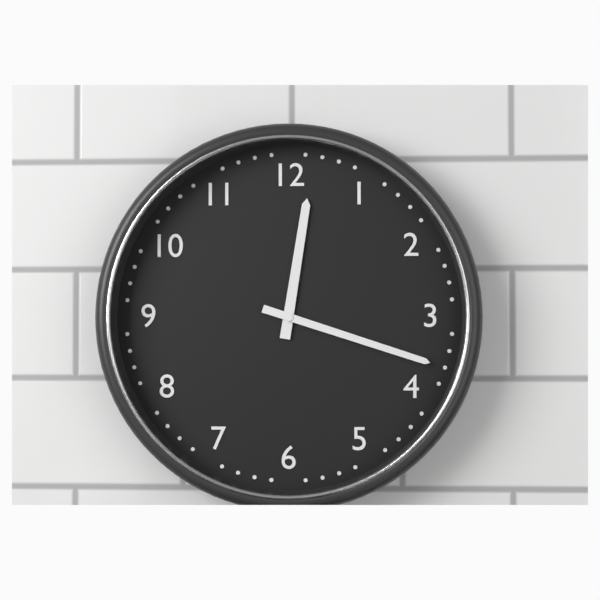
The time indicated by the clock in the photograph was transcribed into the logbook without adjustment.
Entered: 12:18
